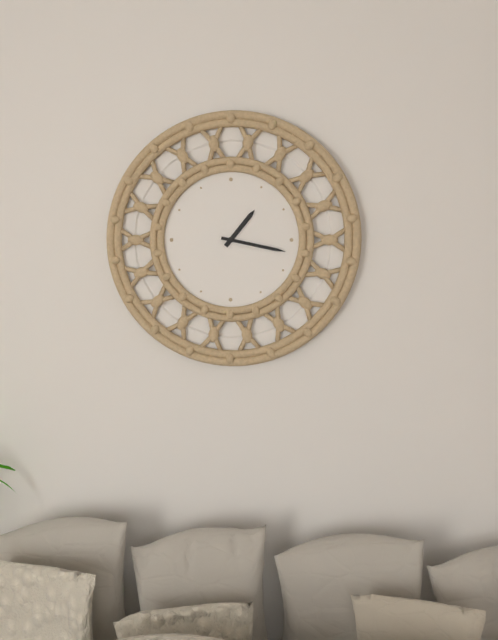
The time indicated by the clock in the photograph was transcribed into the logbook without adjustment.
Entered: 1:17
